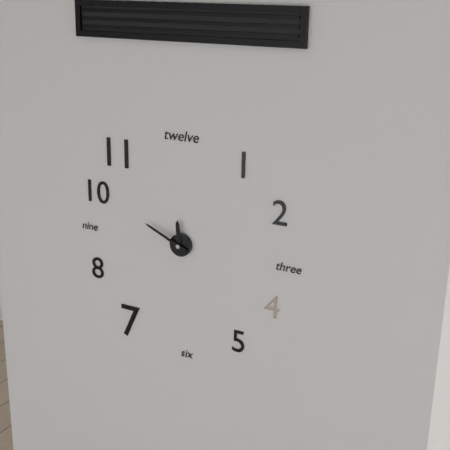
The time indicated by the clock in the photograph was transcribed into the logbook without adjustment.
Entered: 11:49
